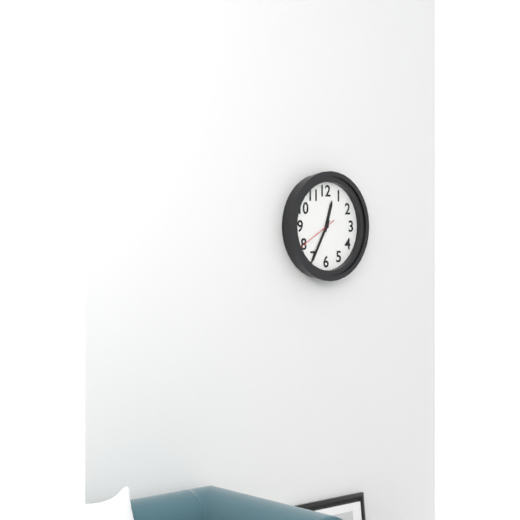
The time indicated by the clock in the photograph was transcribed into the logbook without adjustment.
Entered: 12:35
